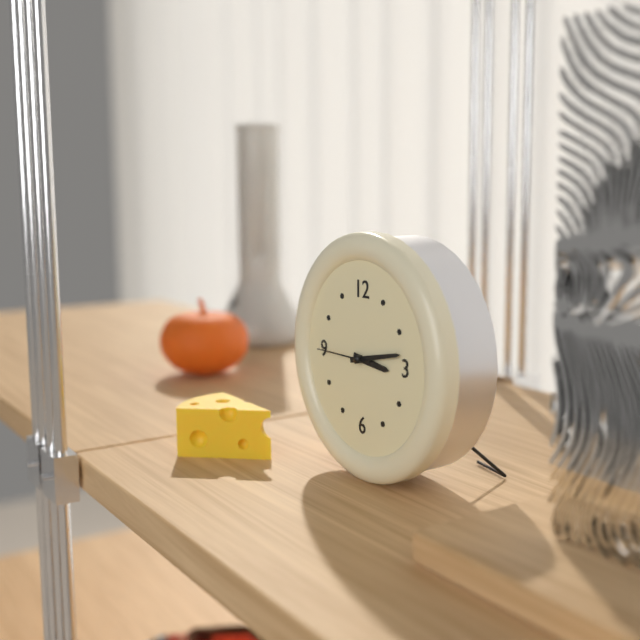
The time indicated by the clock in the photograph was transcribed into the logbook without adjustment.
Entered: 3:13:45
